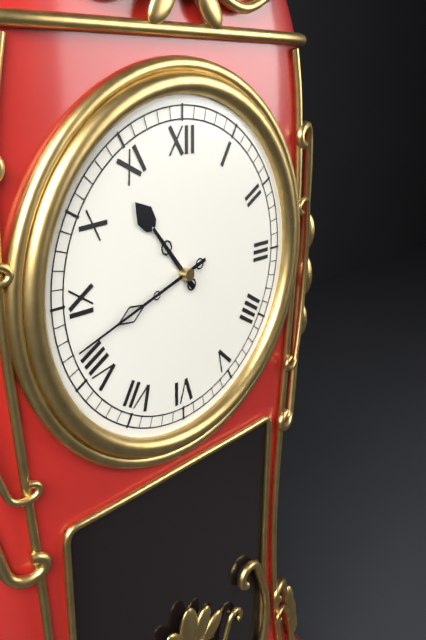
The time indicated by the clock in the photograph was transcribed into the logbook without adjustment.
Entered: 10:42
